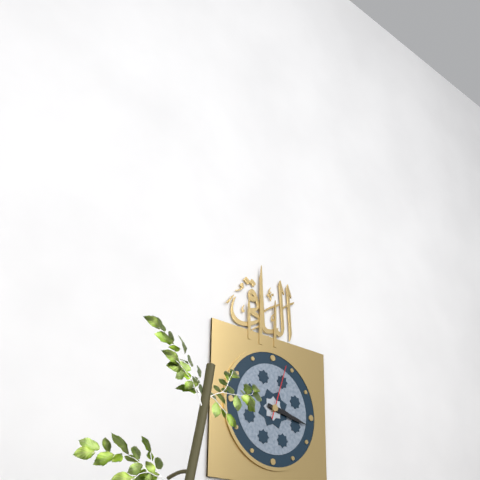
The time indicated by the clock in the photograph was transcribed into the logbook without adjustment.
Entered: 3:17:03
